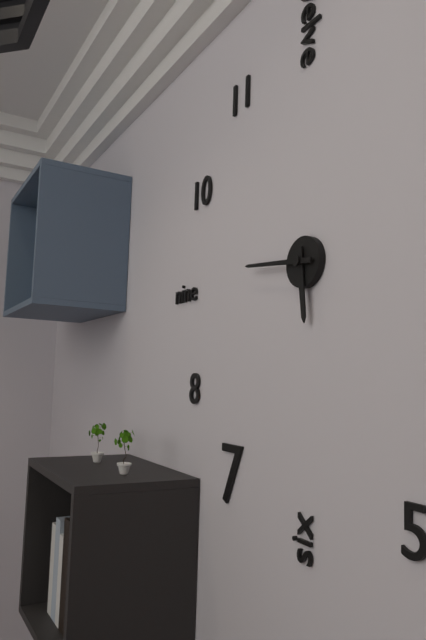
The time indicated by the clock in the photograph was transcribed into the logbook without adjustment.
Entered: 5:46
